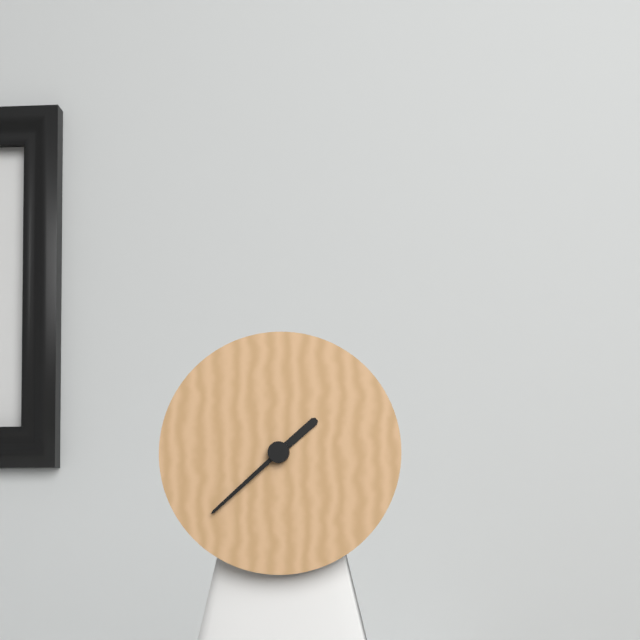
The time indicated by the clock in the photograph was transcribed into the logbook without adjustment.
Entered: 1:38
